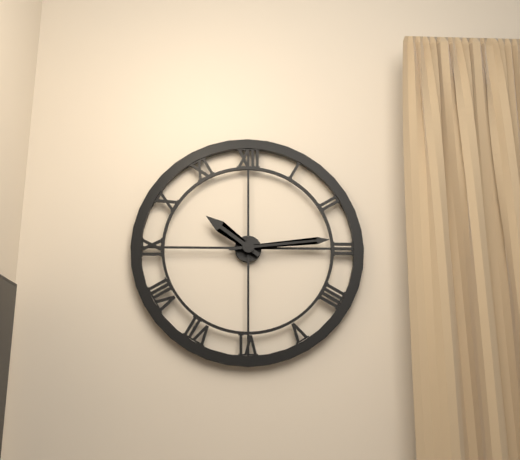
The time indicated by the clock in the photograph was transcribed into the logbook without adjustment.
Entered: 10:14
